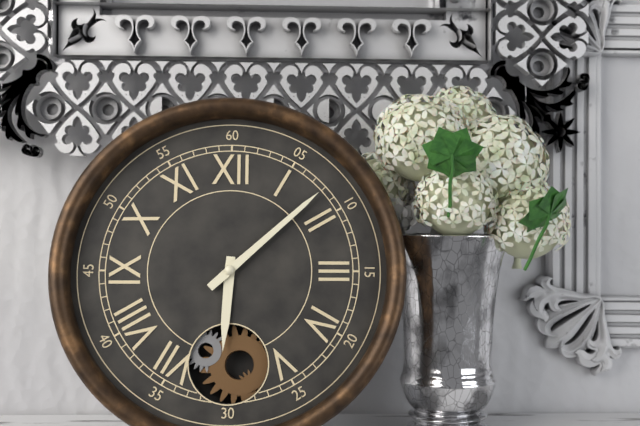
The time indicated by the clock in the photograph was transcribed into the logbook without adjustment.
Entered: 6:08
